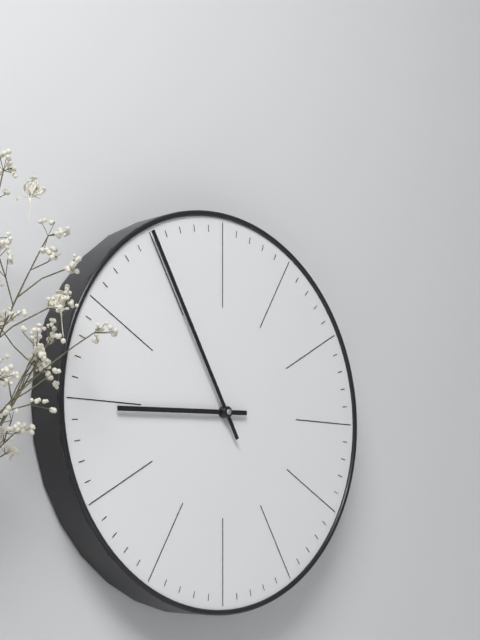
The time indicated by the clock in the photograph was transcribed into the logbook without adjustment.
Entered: 8:55
